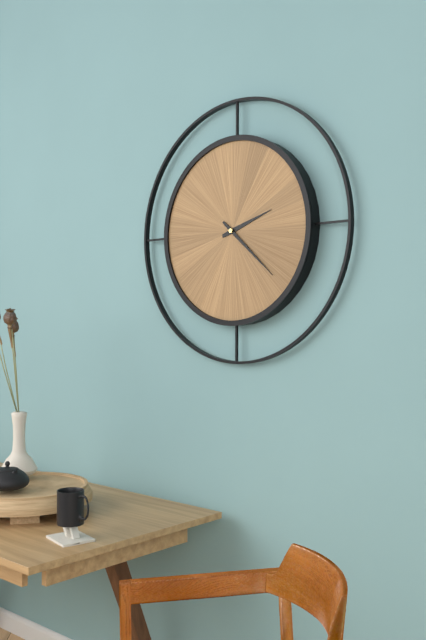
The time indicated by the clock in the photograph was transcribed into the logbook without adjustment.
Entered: 2:22
